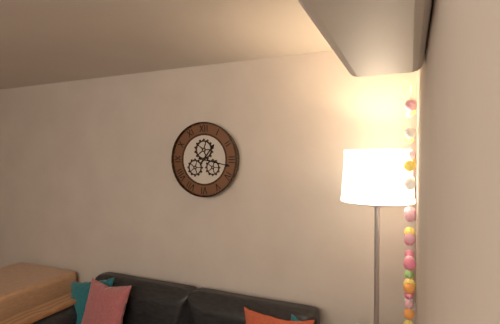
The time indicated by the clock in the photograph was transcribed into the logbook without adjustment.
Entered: 1:17
